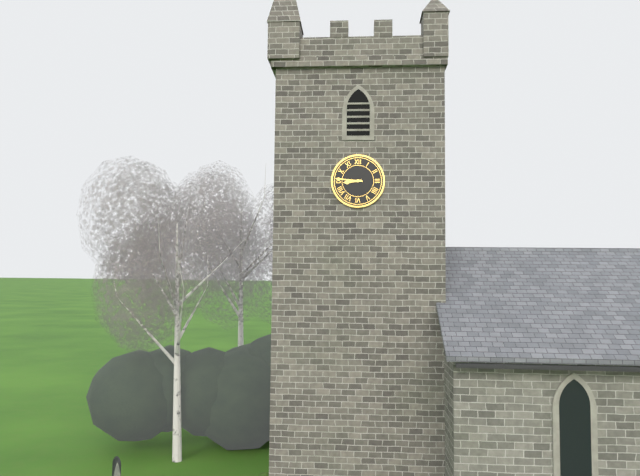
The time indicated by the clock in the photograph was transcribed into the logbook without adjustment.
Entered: 8:46
